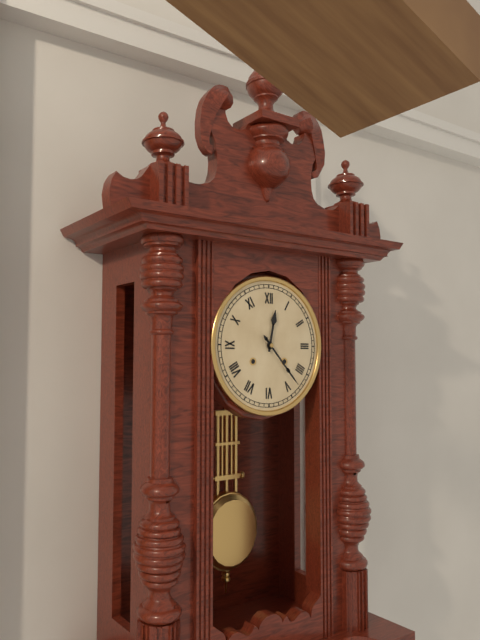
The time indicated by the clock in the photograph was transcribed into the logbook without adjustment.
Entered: 12:23
